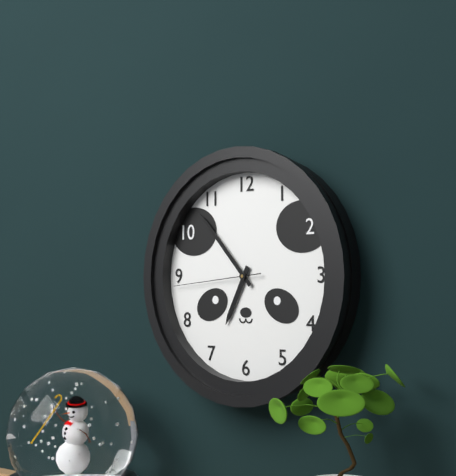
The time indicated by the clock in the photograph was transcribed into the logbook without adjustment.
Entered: 6:53:44
